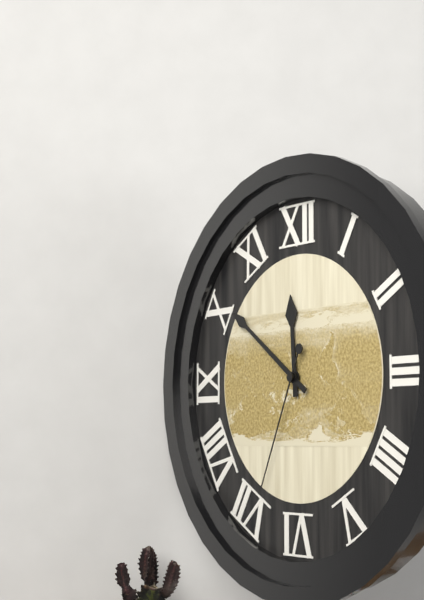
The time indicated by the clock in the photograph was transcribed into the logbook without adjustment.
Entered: 11:51:34
